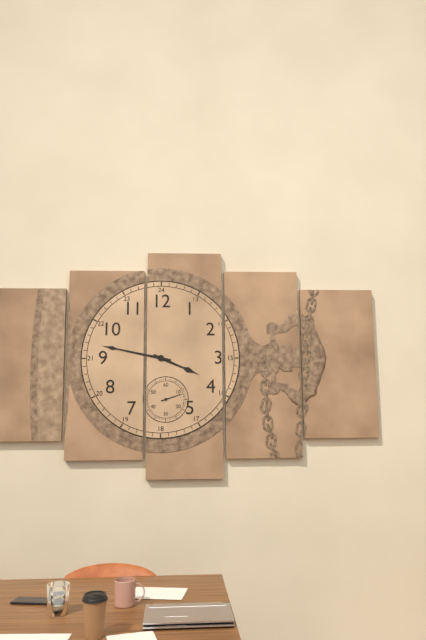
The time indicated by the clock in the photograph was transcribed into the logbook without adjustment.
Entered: 3:47
